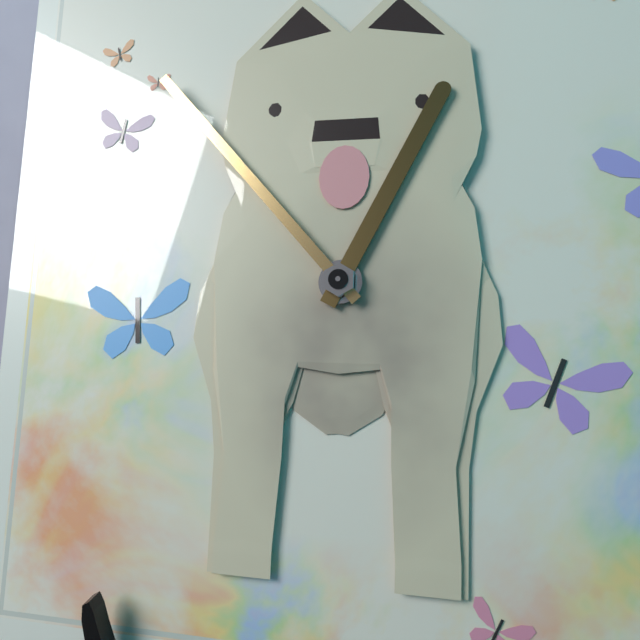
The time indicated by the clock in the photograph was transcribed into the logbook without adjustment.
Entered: 12:53
